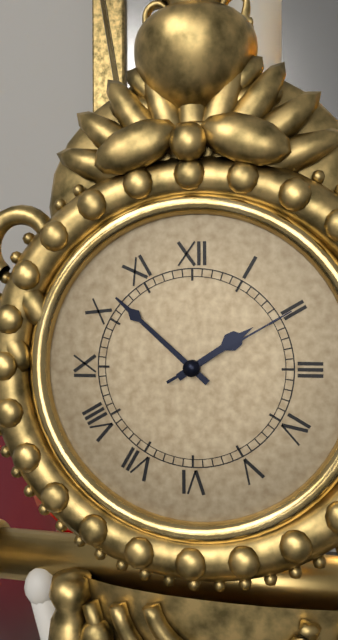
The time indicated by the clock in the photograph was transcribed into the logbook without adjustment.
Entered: 1:52:10
